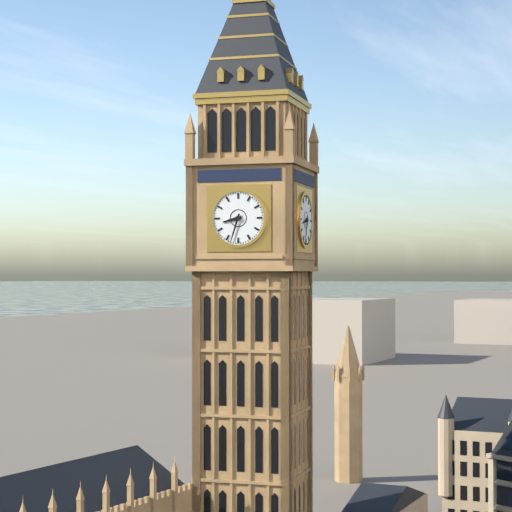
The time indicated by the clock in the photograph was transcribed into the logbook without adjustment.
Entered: 8:33
